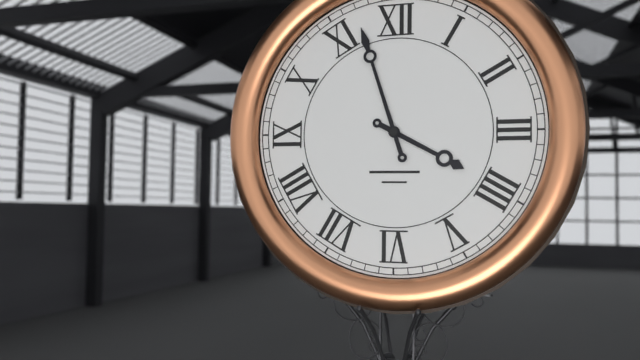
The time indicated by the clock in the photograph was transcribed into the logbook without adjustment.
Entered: 3:57
